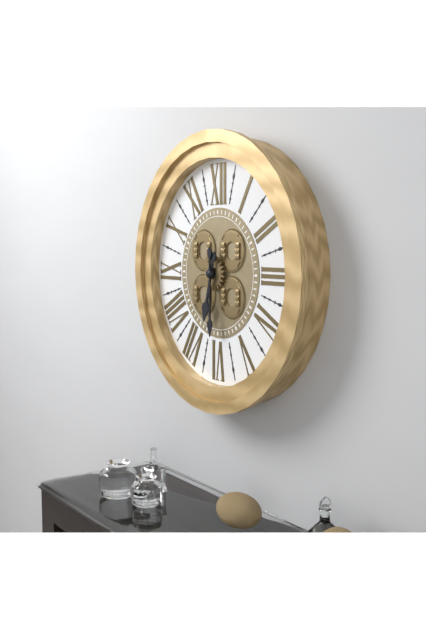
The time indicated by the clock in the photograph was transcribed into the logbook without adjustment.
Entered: 6:30
